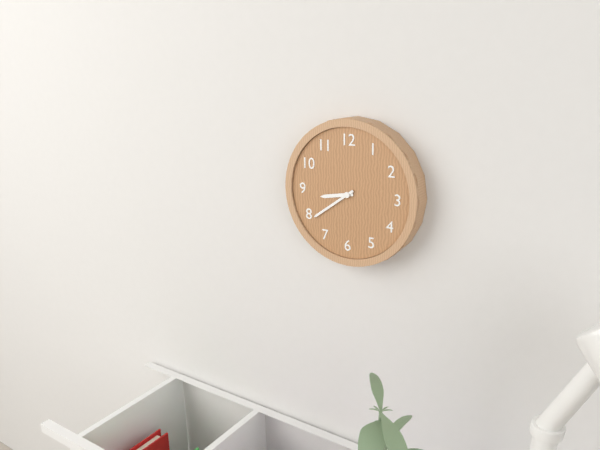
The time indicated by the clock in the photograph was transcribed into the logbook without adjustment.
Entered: 8:39
